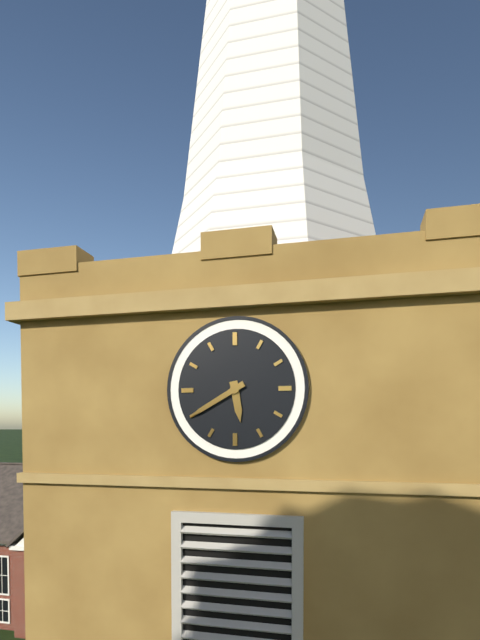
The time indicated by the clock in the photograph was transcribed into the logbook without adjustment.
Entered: 5:40
